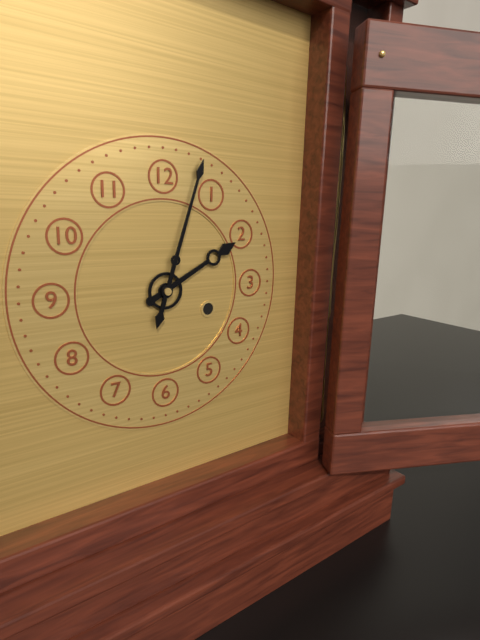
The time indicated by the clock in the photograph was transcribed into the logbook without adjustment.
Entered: 2:03
